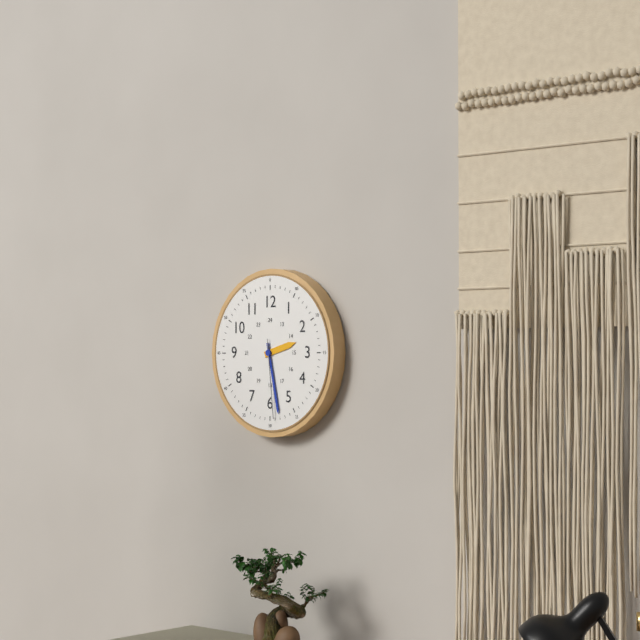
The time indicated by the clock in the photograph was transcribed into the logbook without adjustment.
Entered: 2:28:29
